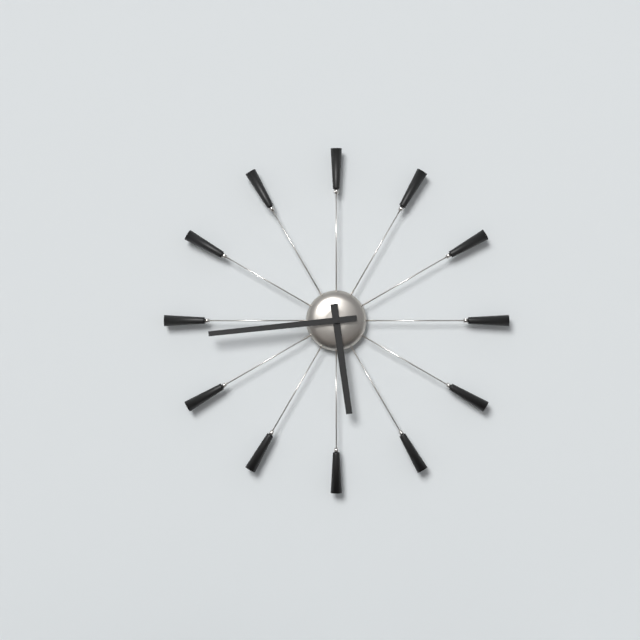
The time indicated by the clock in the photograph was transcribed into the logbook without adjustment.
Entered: 5:44
